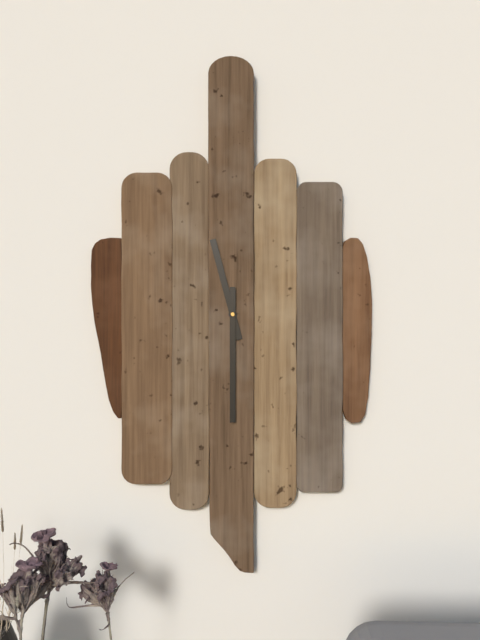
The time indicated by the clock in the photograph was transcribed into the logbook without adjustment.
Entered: 11:30
